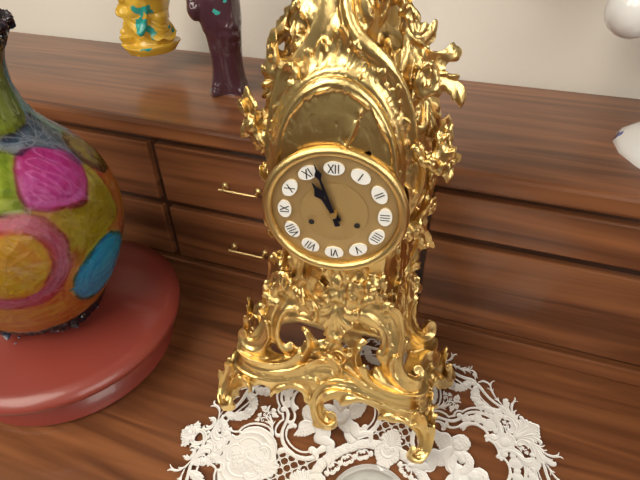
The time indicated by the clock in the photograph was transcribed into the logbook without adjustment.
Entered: 10:57
